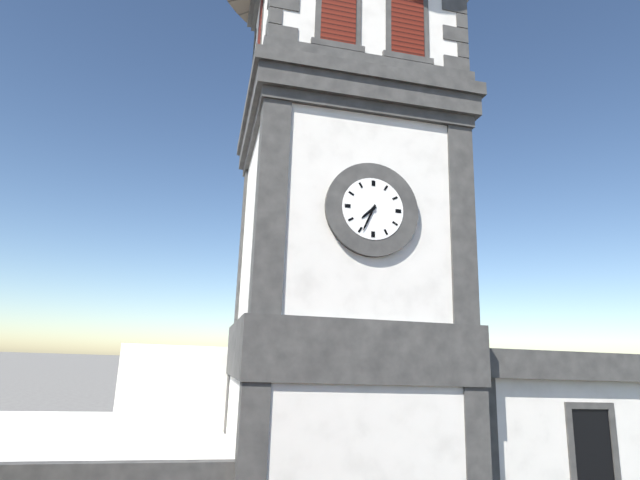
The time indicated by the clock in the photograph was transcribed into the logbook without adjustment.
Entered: 7:34
